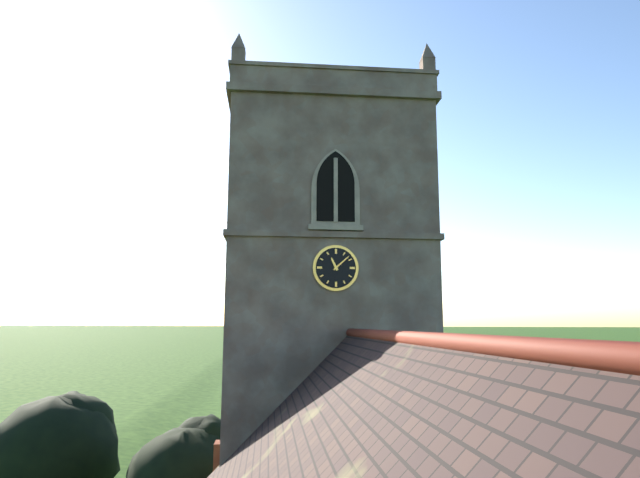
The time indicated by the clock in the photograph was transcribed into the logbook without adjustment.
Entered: 11:08
